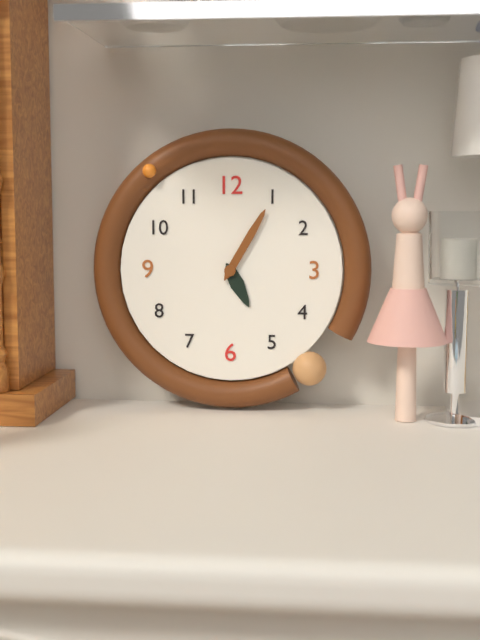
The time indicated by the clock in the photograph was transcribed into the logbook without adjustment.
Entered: 5:05
